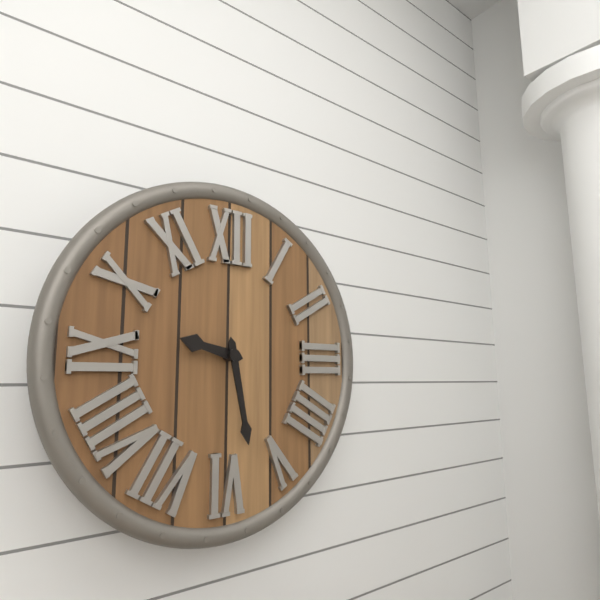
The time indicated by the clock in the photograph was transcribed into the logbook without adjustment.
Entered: 9:28
